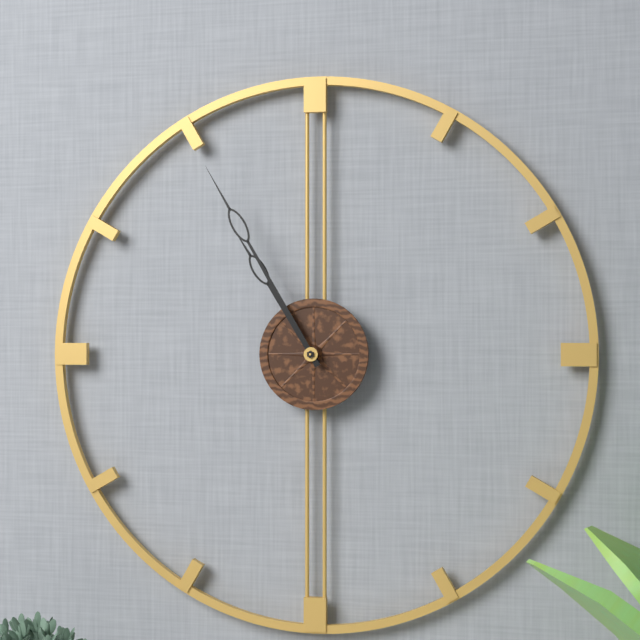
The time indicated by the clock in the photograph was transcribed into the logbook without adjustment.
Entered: 10:55
